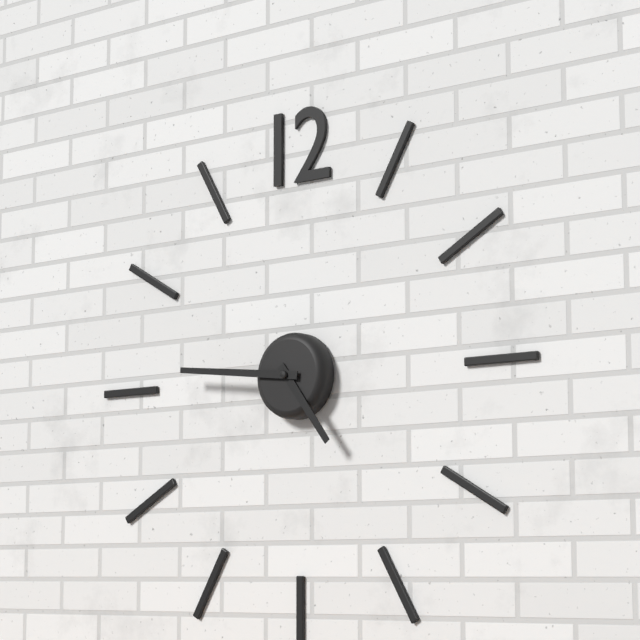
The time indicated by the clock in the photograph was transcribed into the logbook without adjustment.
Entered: 4:46
